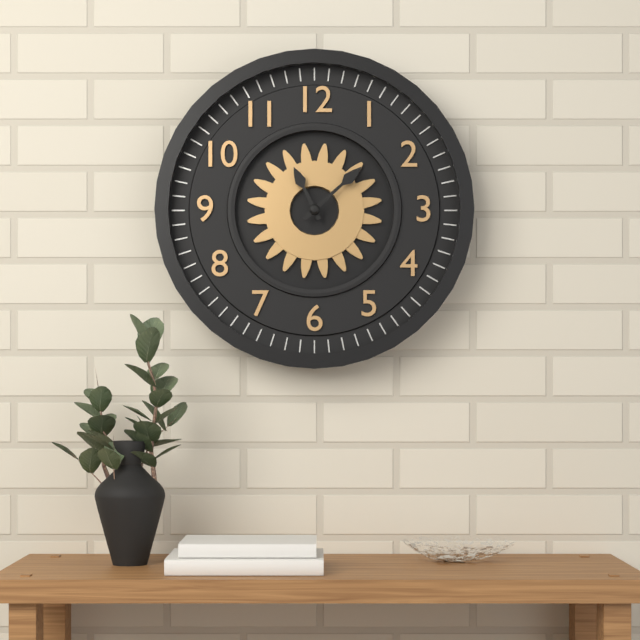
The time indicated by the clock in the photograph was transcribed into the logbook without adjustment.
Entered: 11:08
